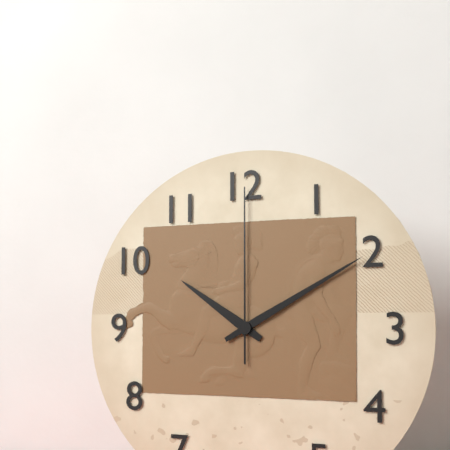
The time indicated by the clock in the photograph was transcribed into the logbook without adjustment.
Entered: 10:10:00
